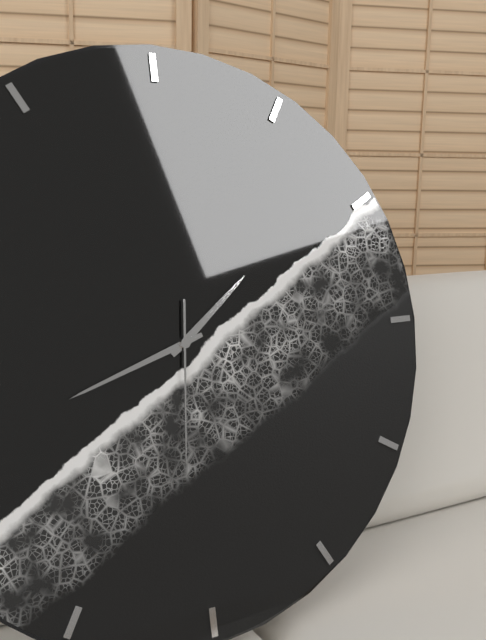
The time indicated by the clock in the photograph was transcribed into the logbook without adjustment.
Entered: 1:42:31
